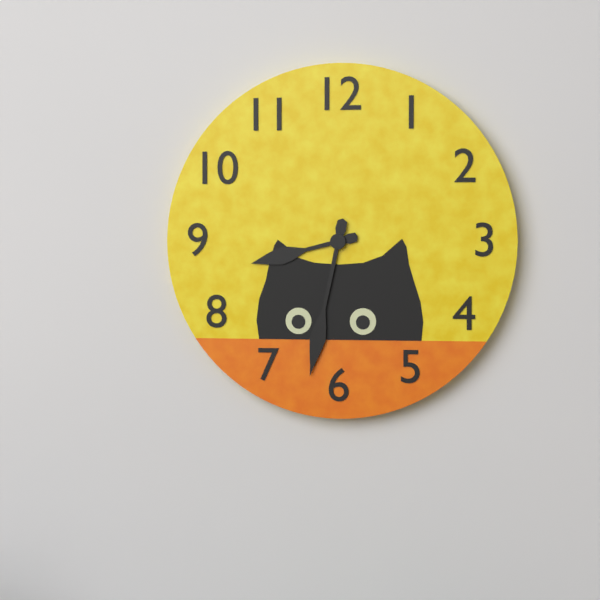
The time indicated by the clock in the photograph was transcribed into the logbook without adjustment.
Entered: 8:32
